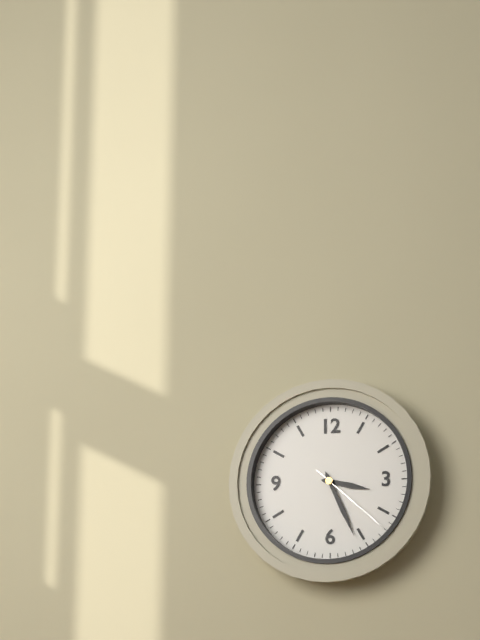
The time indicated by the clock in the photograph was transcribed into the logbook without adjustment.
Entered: 3:26:22
